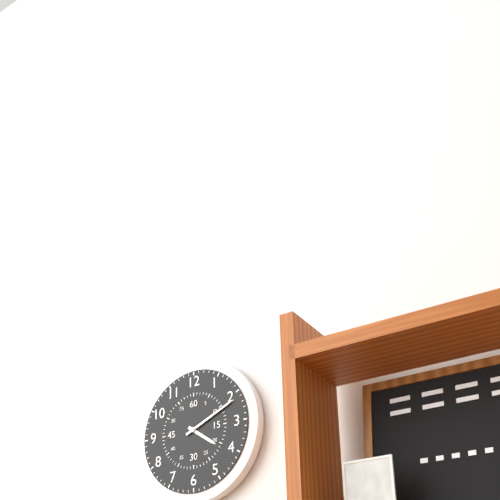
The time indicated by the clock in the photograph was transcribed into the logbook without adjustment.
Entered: 4:11
